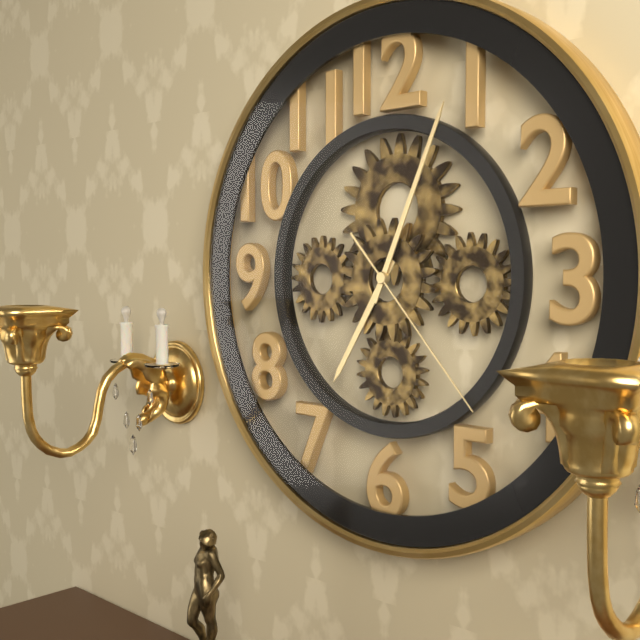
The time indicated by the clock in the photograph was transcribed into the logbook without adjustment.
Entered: 7:04:23
